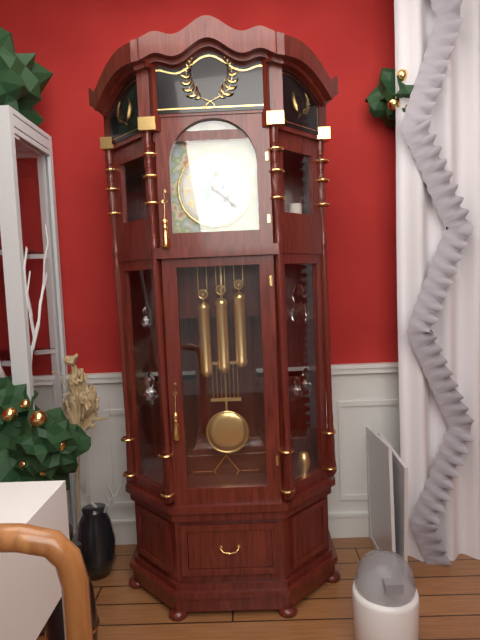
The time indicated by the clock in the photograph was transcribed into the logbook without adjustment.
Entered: 4:22
